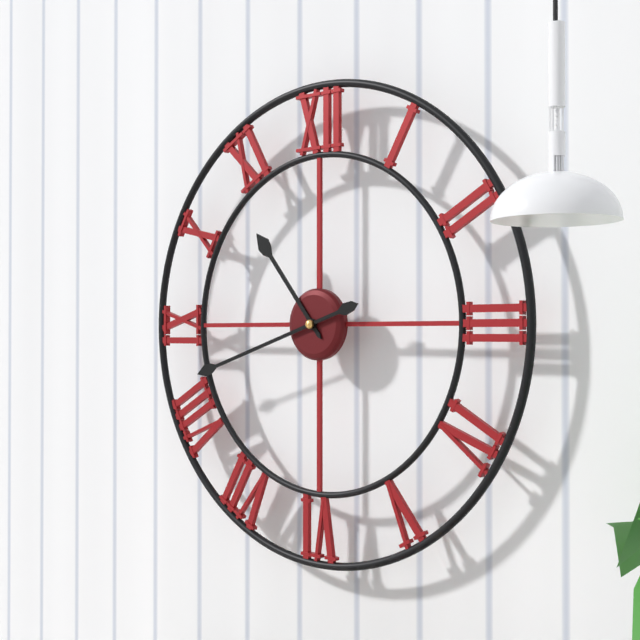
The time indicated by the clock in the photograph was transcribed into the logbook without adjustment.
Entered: 10:42
